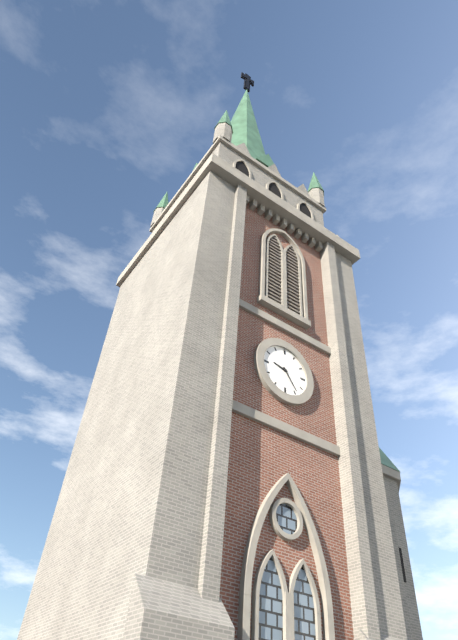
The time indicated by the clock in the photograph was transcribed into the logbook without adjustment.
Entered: 9:24
